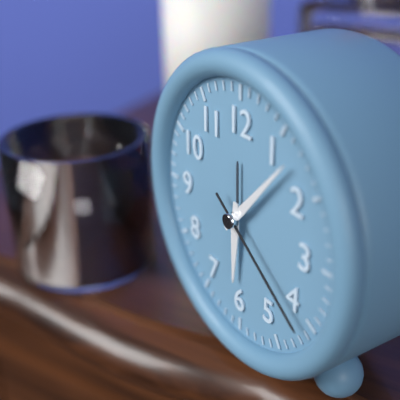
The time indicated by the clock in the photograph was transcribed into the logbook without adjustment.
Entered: 6:07:21
